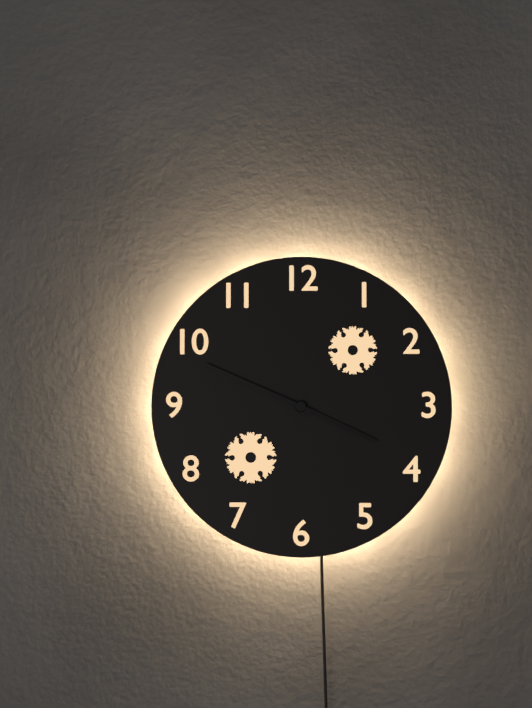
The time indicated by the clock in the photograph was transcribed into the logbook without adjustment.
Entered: 3:49
